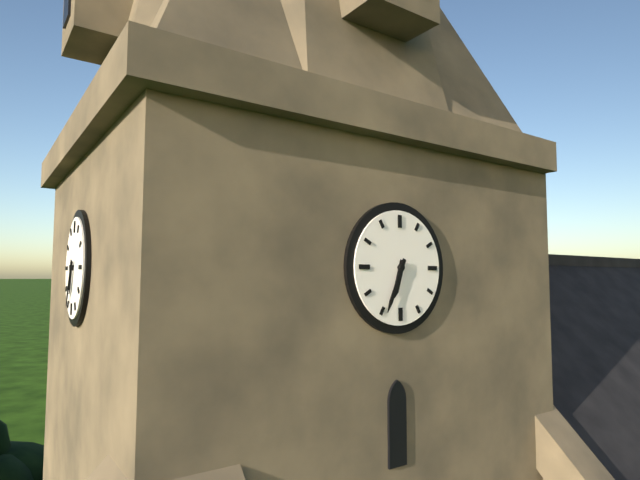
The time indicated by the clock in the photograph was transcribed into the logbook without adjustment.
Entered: 6:34
